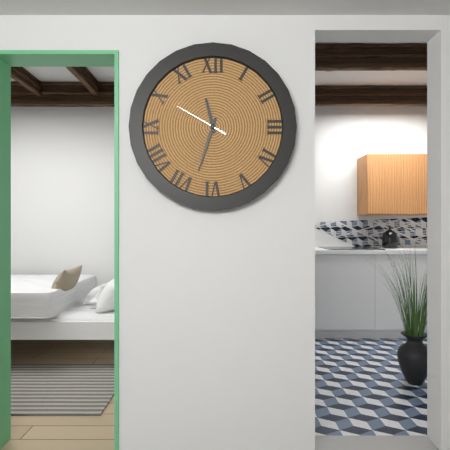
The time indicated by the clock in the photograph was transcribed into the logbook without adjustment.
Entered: 11:33:50
